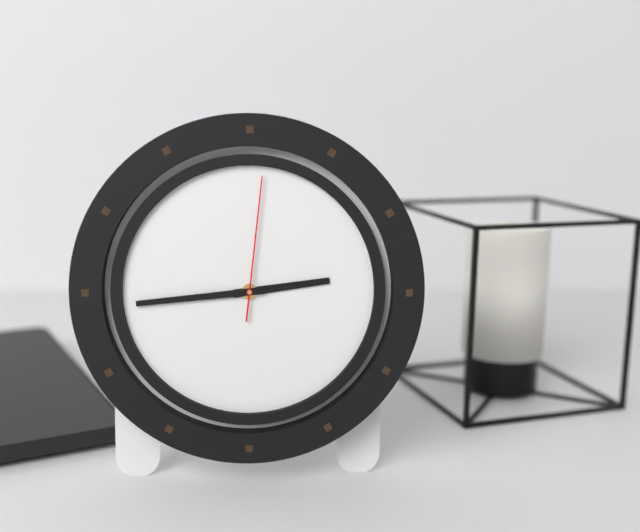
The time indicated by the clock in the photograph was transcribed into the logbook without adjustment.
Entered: 2:44:01
